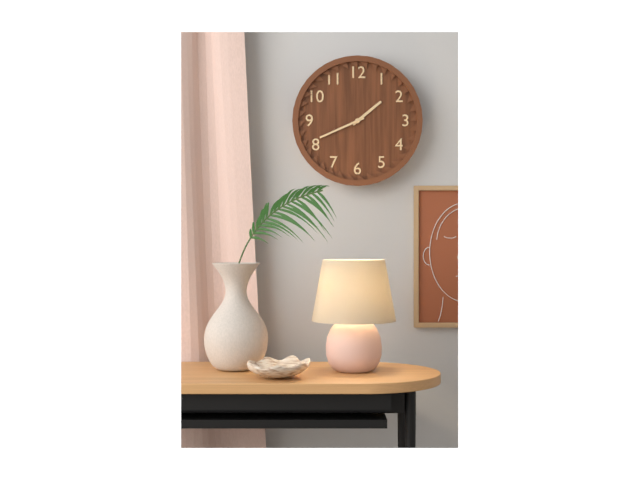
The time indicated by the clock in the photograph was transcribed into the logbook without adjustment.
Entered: 1:41
